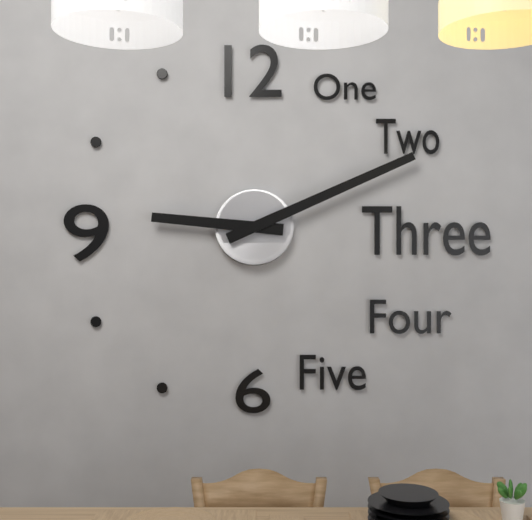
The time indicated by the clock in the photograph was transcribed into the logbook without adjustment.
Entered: 9:11
